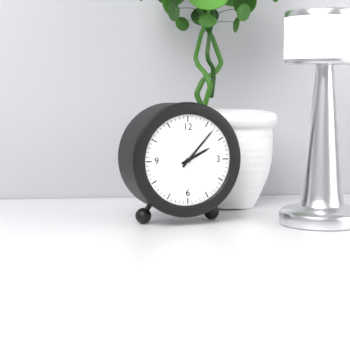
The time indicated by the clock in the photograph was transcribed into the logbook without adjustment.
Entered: 2:07
